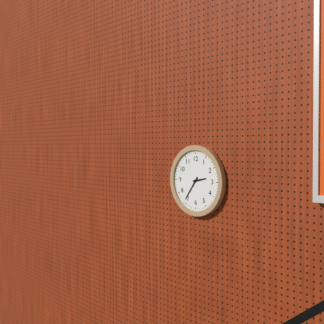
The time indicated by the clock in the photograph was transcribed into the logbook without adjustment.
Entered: 2:36
